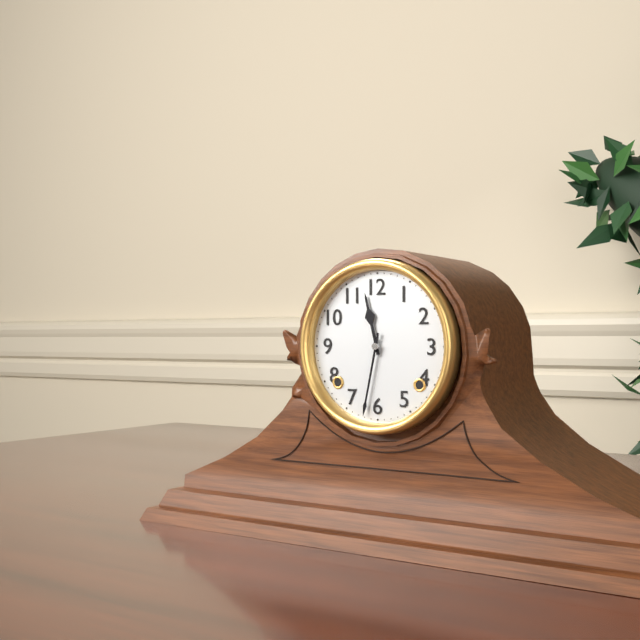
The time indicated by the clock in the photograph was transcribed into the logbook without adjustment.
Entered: 11:32
